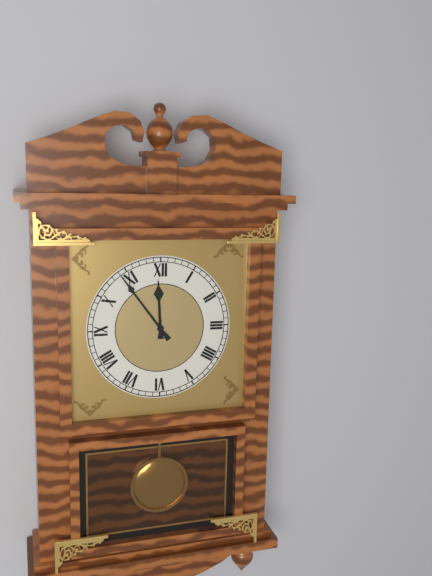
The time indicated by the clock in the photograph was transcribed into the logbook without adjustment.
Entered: 11:54
